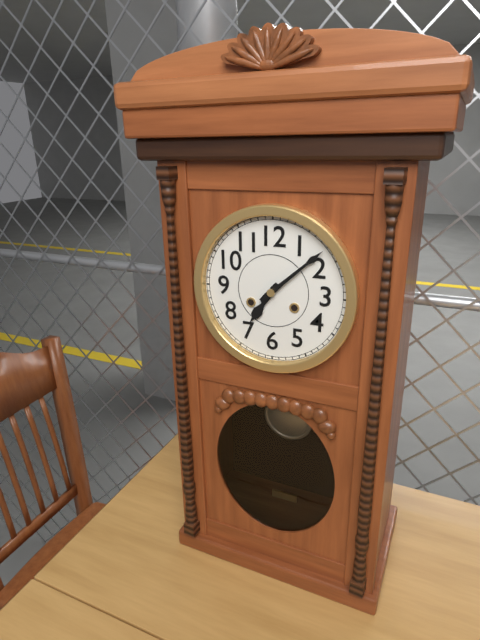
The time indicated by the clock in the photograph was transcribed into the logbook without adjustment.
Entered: 7:08
